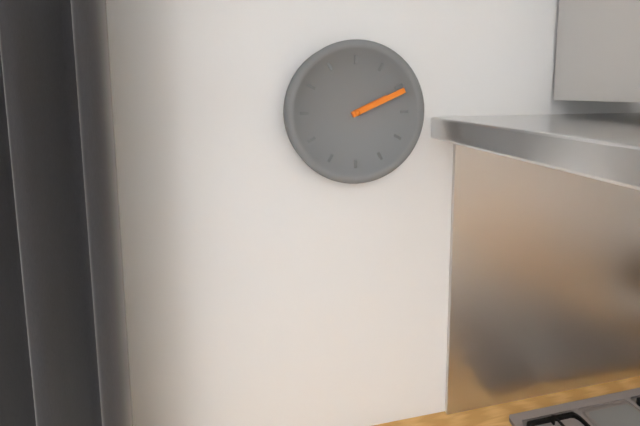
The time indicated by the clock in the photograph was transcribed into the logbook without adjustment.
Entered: 2:11
